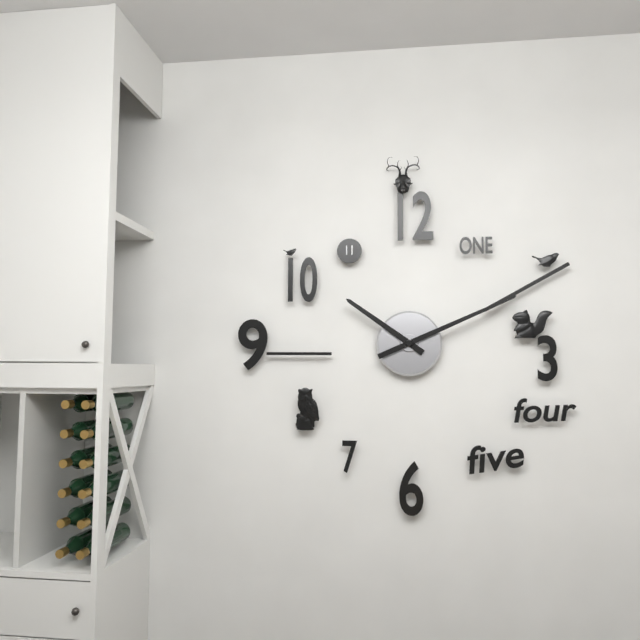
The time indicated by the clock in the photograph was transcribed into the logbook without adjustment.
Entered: 10:11
